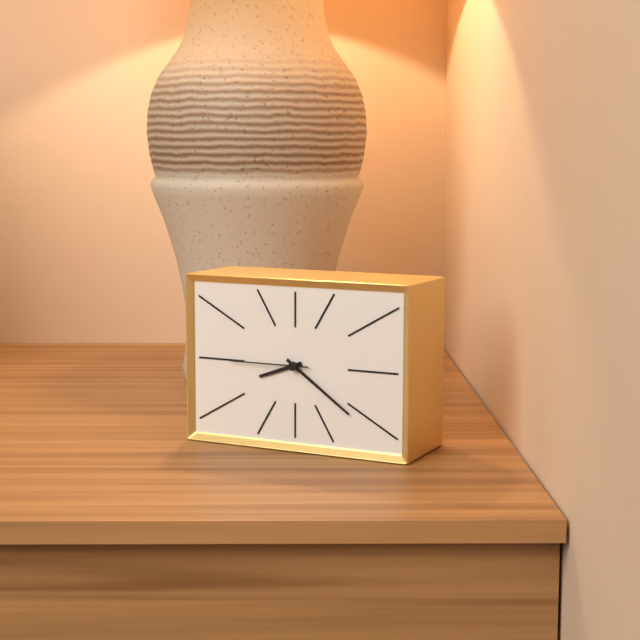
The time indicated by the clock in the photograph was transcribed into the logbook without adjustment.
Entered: 8:21:45
